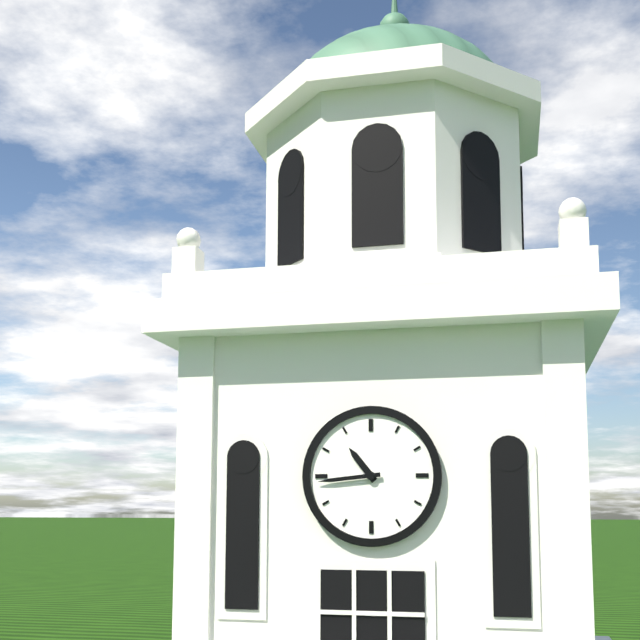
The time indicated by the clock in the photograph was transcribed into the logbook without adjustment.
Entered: 10:44
